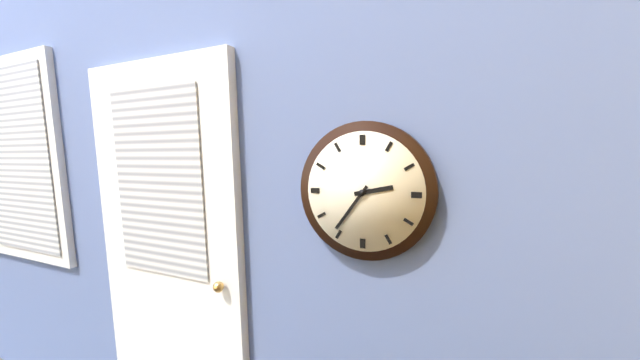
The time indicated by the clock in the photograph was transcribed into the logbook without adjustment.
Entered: 2:36
